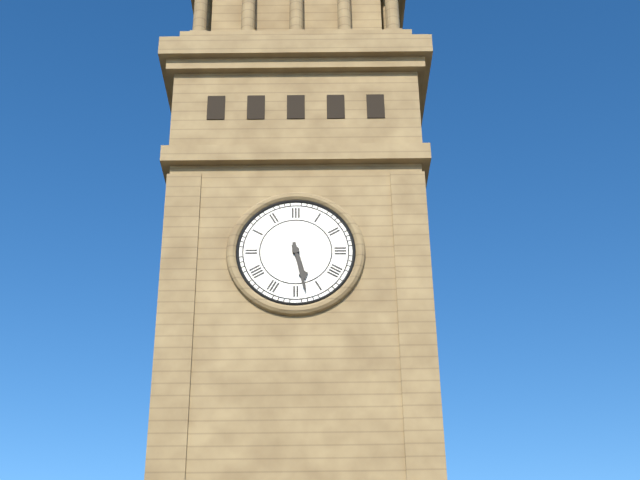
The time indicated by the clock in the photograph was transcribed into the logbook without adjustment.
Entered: 5:28
